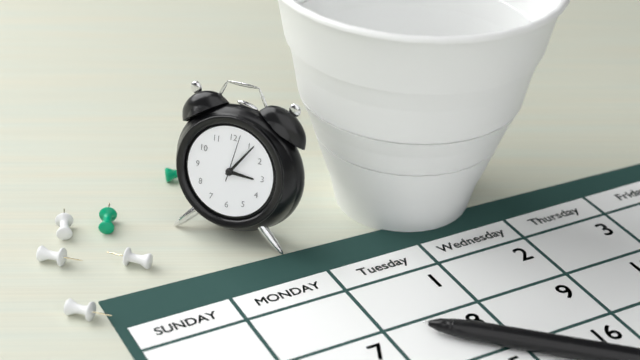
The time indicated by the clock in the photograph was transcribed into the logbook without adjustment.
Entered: 3:06
